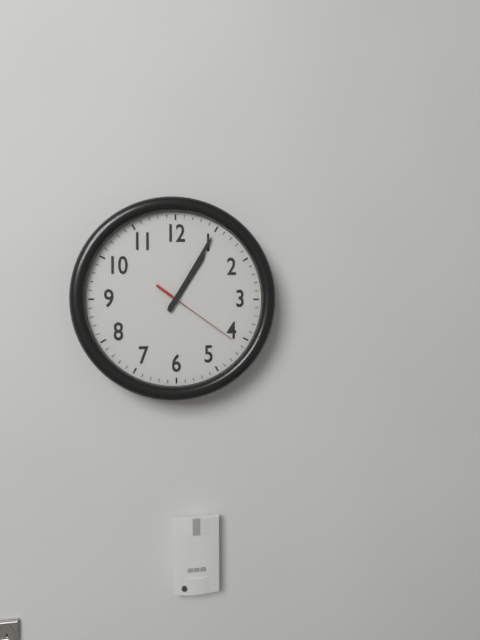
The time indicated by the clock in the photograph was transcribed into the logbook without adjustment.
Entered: 1:05:21
